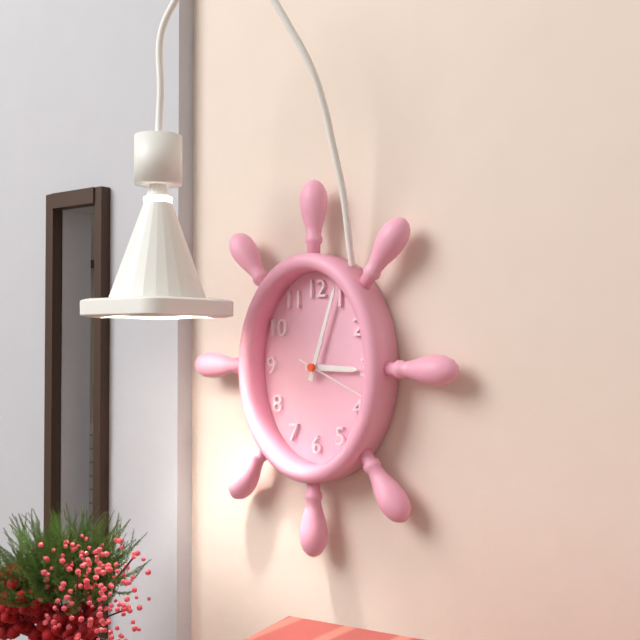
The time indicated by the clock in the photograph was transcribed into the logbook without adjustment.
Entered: 3:03:19
